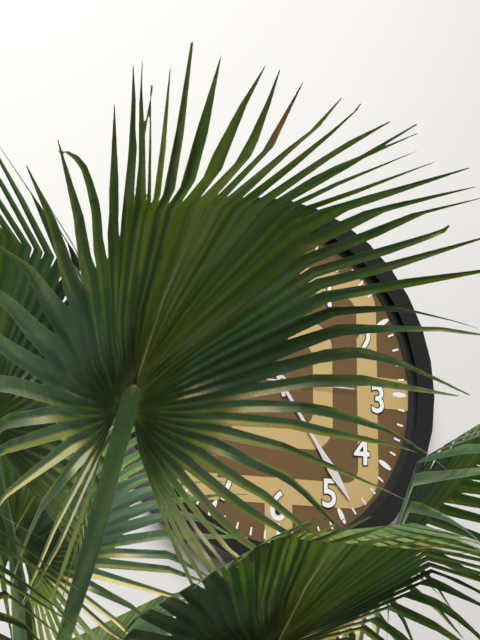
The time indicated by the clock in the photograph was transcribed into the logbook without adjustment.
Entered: 11:24:15
